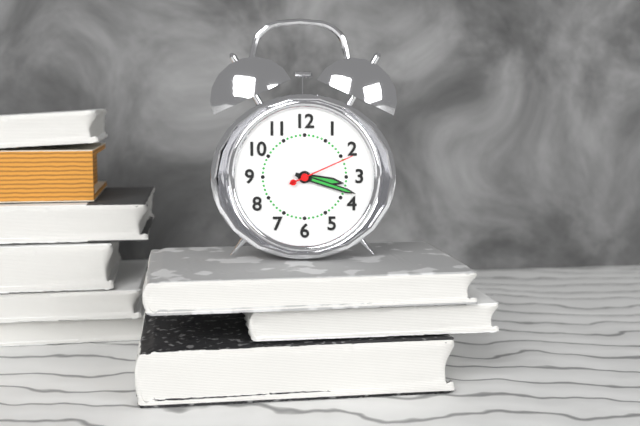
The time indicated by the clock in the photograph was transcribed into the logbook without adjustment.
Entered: 3:18:11
